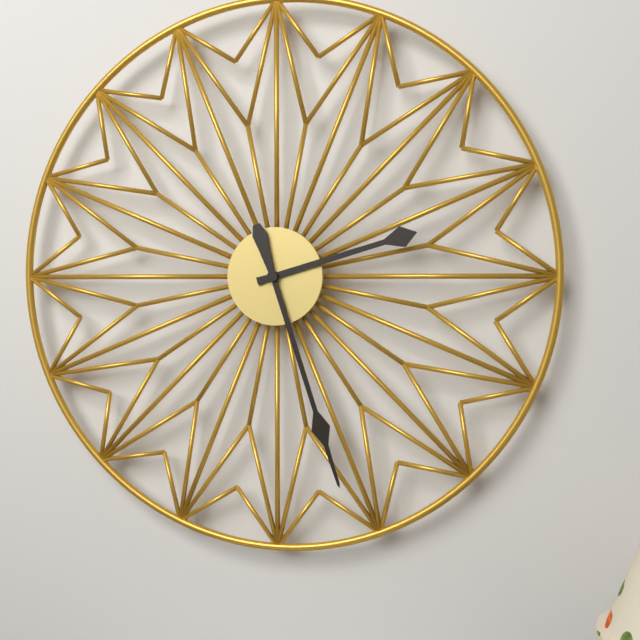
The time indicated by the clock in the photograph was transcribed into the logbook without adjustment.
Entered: 2:27
